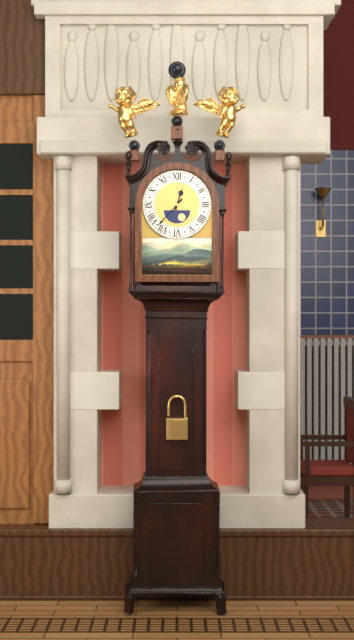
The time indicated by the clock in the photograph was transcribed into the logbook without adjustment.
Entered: 12:37
